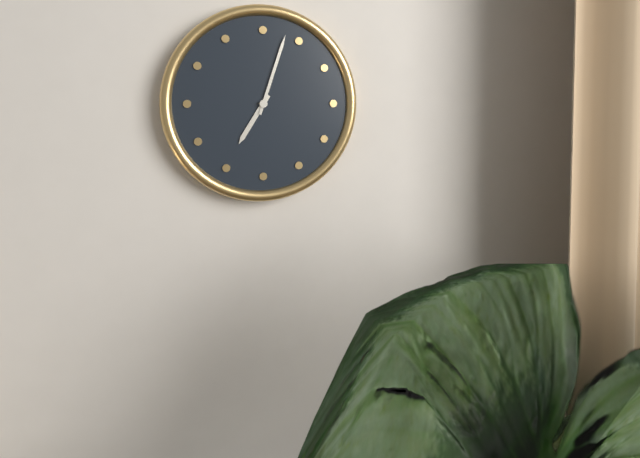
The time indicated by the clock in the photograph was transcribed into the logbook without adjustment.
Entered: 7:03
